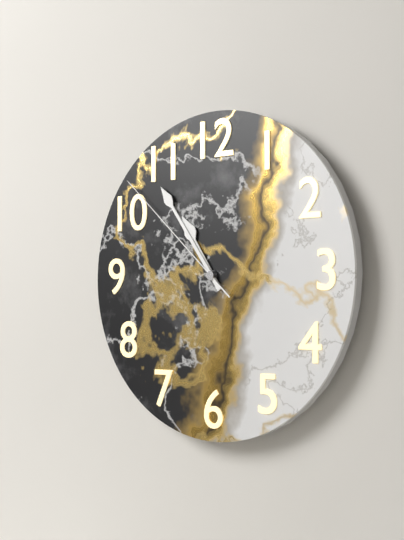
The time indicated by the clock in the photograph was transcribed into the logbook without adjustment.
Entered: 10:54:52
